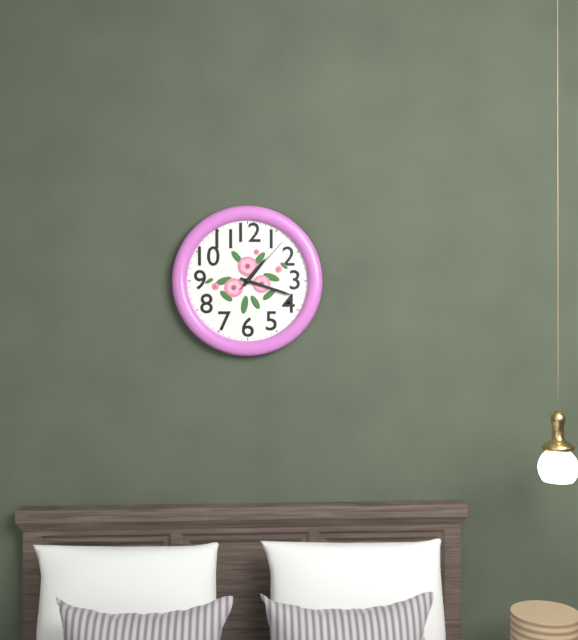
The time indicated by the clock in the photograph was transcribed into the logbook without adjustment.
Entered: 1:18:07
